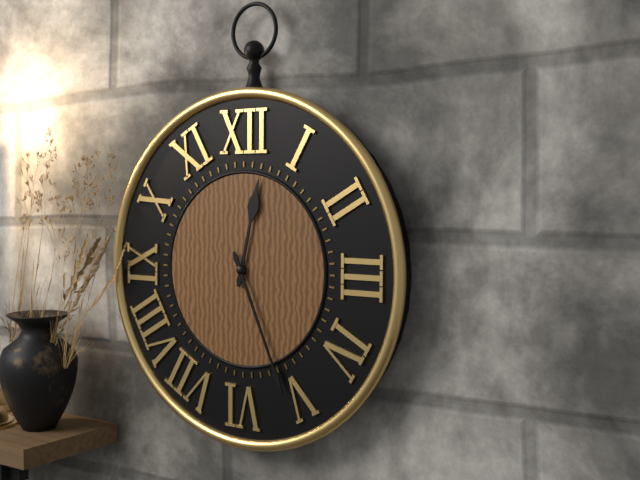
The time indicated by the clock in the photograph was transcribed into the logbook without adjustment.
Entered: 12:26
